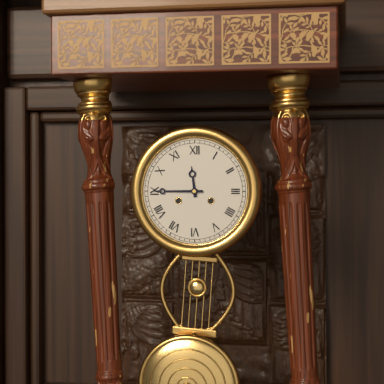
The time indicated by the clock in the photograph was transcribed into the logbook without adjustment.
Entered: 11:45
